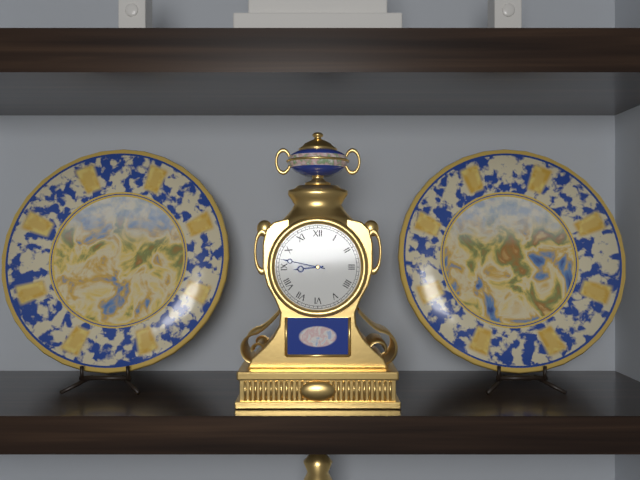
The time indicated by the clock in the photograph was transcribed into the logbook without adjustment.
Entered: 8:47
